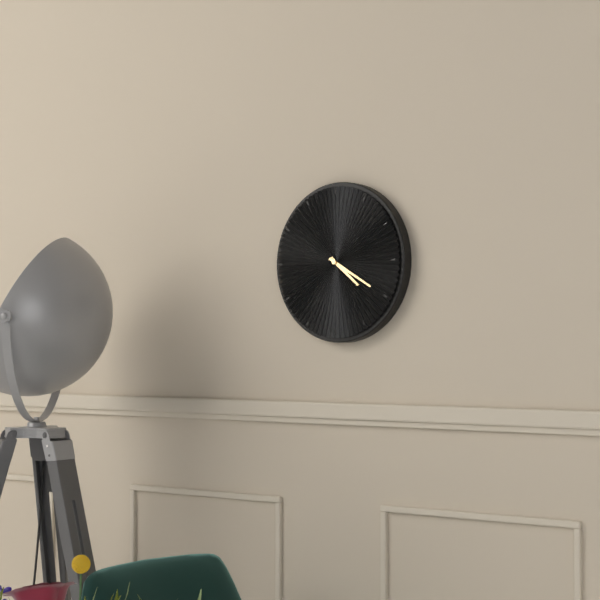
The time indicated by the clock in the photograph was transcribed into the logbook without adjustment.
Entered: 4:20
